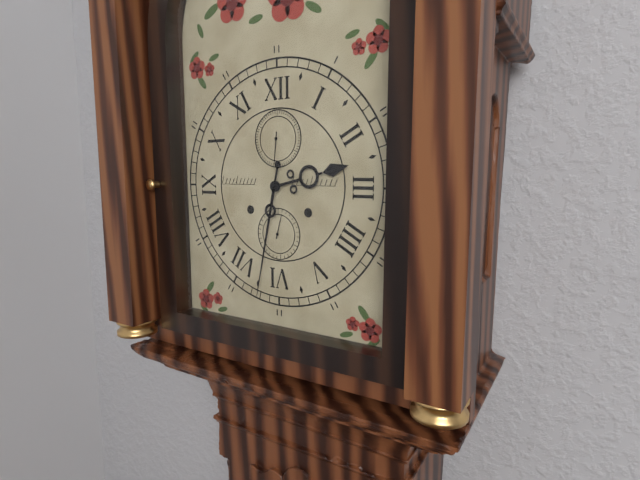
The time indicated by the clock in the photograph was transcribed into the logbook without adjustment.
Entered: 2:32
